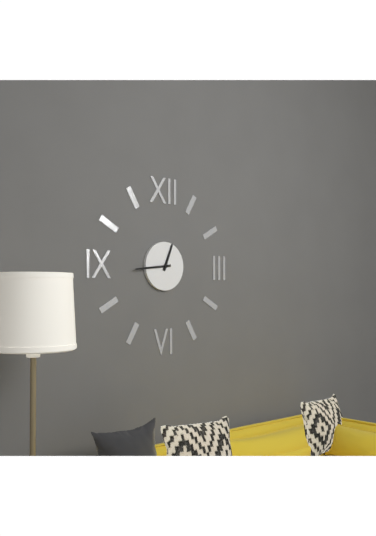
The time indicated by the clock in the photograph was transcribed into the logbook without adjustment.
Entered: 12:44
